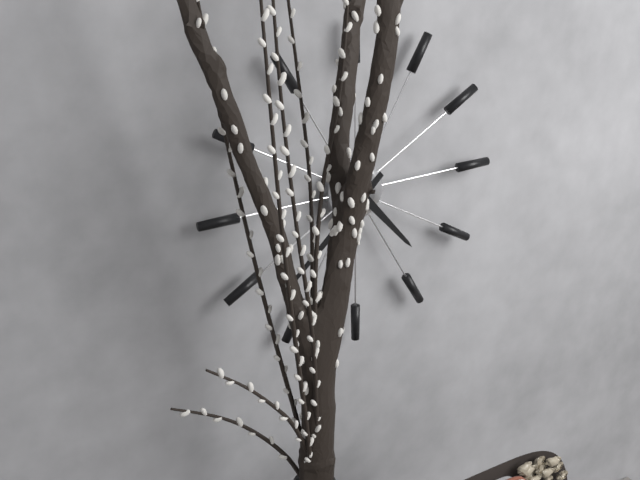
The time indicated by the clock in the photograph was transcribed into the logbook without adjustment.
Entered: 4:38
